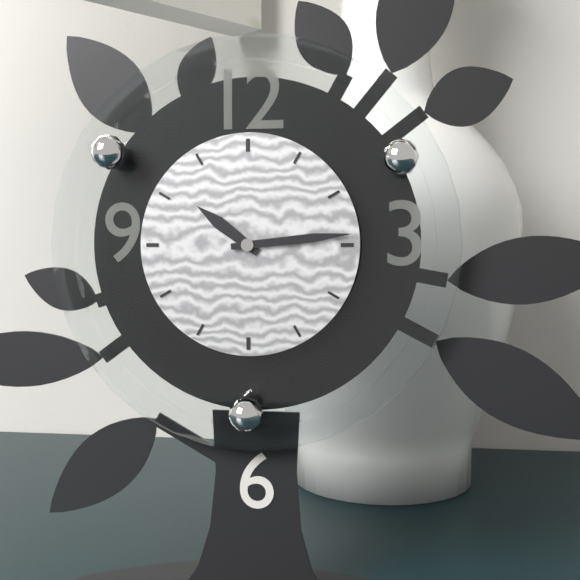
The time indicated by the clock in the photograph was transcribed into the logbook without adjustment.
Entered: 10:14
